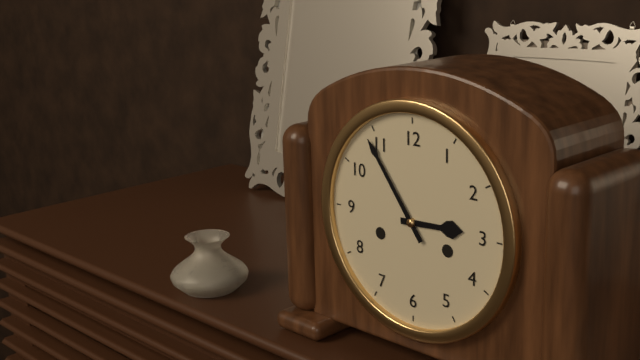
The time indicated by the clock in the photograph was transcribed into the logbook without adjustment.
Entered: 2:54
